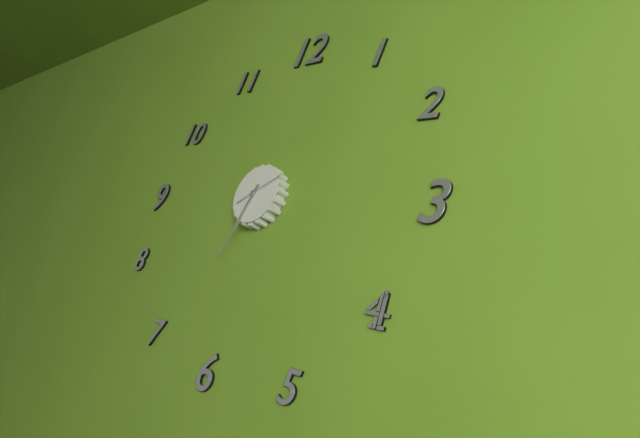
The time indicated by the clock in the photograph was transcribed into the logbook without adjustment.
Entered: 6:33
